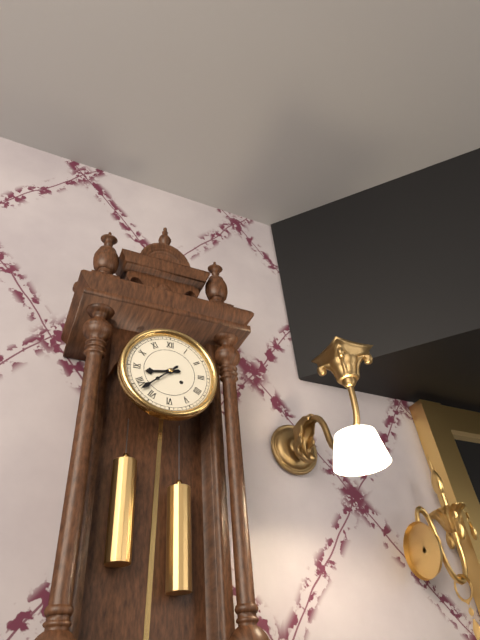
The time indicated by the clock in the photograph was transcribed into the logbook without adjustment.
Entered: 8:38
